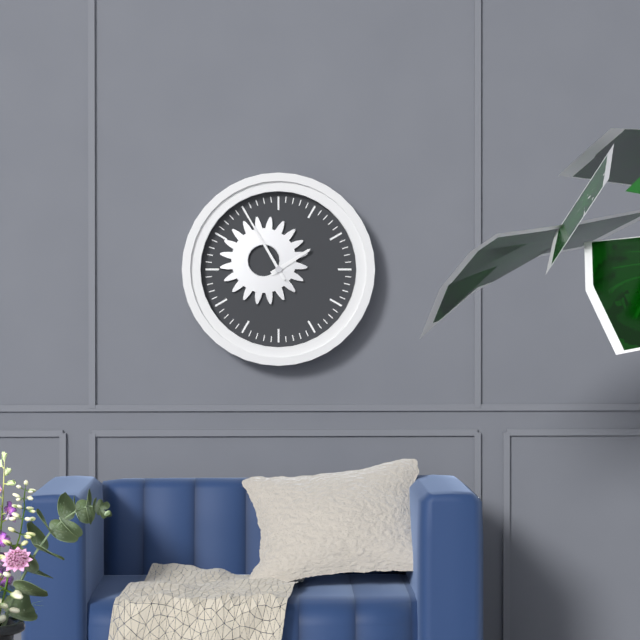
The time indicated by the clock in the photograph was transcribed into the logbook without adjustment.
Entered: 1:55
